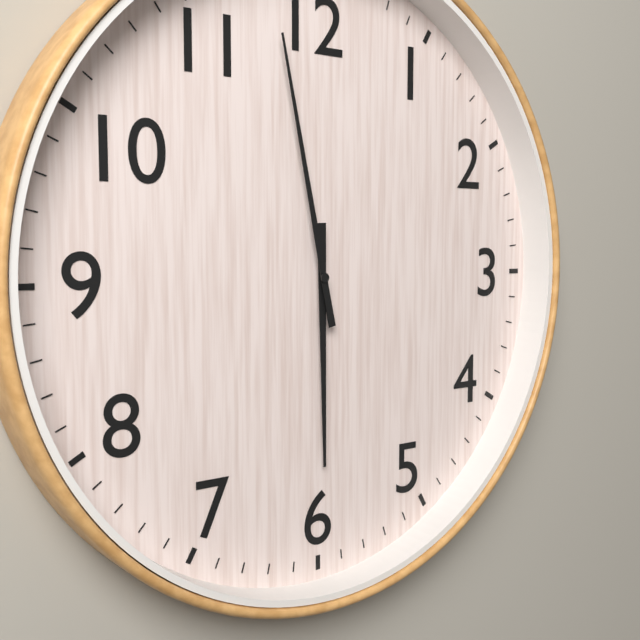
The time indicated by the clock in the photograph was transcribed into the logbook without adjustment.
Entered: 5:58
